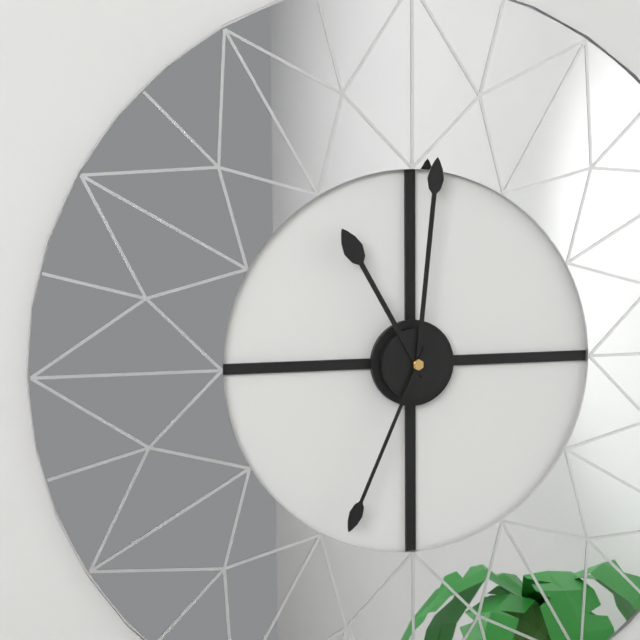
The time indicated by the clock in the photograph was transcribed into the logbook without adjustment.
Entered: 11:01:34
